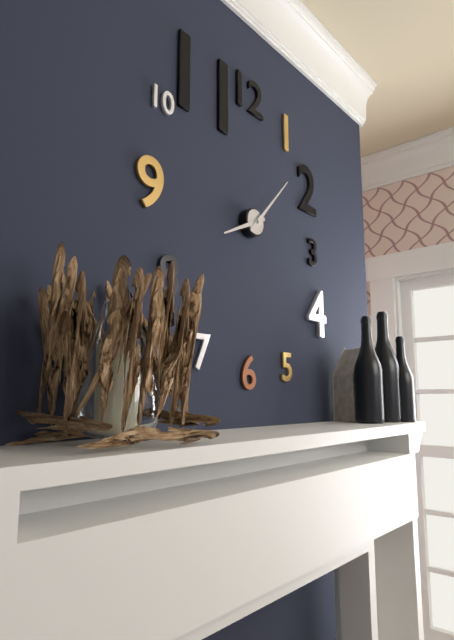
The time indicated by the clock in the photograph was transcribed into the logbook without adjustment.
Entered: 8:07
